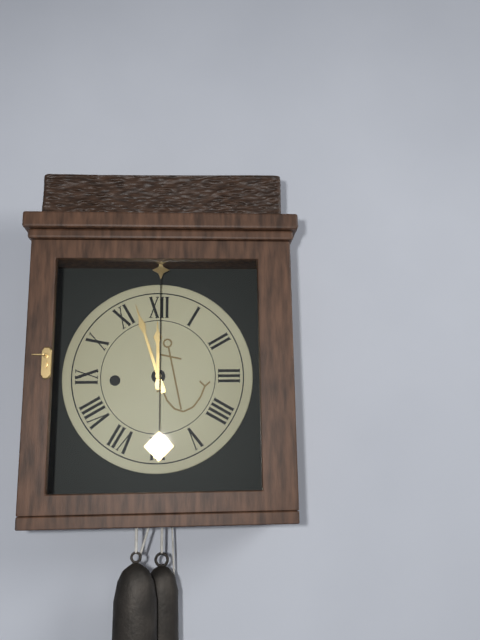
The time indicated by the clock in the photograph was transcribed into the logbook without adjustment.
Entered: 11:57
